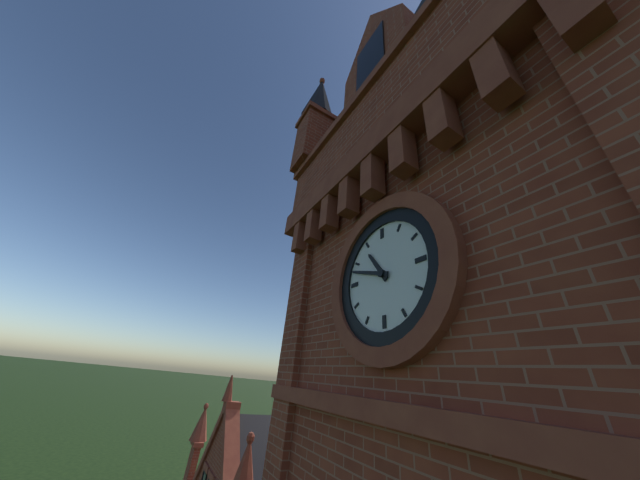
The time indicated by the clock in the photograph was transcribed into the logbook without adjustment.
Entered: 10:48
